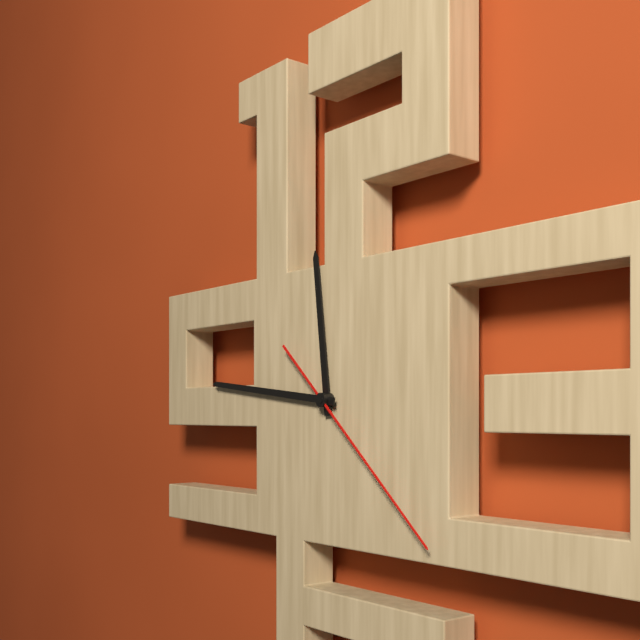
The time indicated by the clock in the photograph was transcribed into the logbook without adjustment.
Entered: 11:46:22
